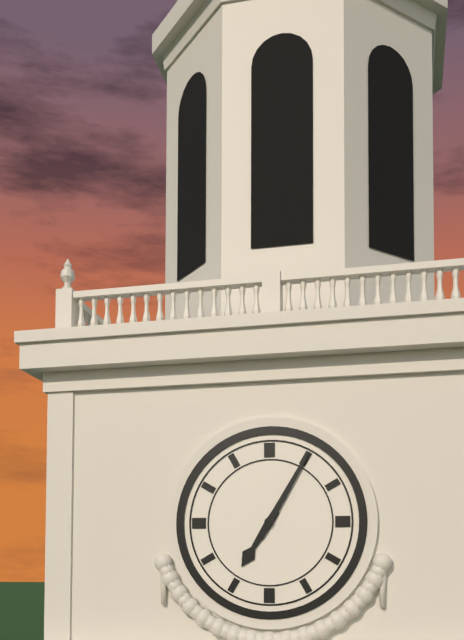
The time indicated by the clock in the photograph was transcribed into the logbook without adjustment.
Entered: 7:05
